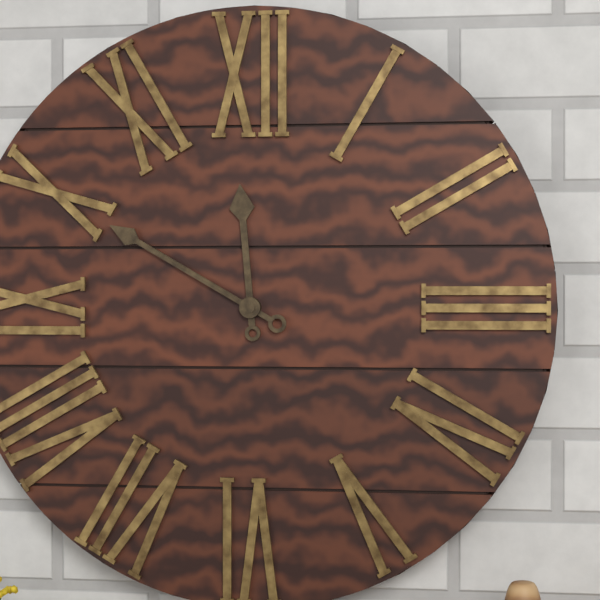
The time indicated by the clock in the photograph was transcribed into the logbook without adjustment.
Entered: 11:50
